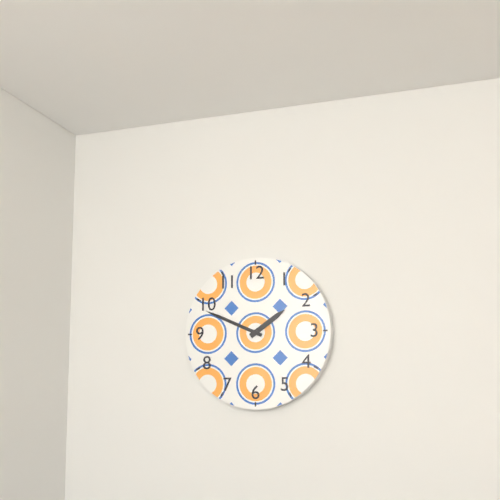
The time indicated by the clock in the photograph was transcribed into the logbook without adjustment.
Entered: 1:49
